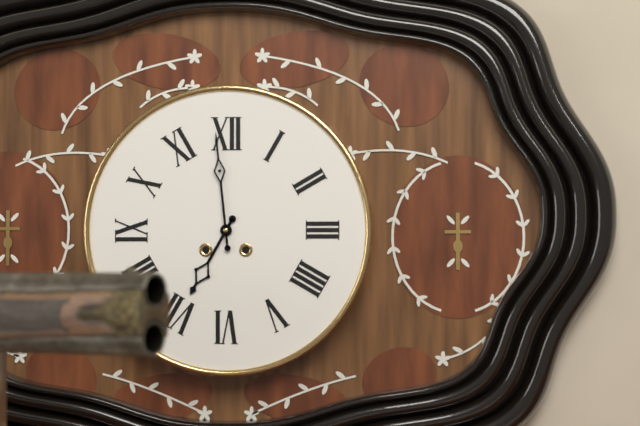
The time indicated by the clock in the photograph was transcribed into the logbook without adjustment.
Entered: 6:59
